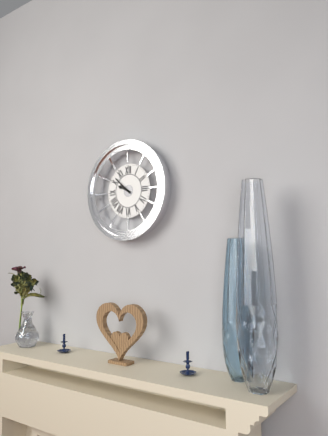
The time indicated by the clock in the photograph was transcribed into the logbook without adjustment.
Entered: 9:52
